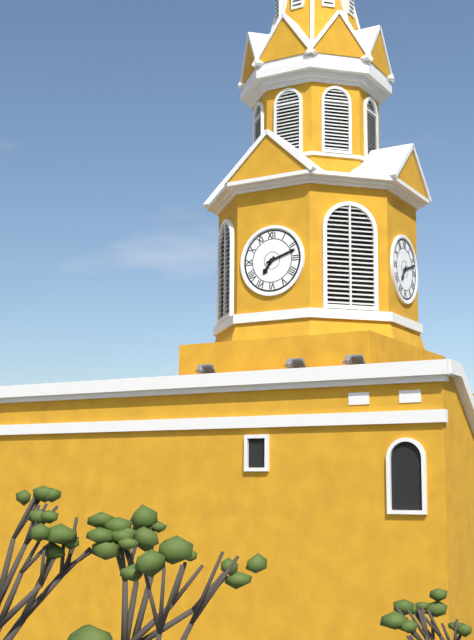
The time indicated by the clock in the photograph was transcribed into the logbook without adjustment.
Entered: 7:12
